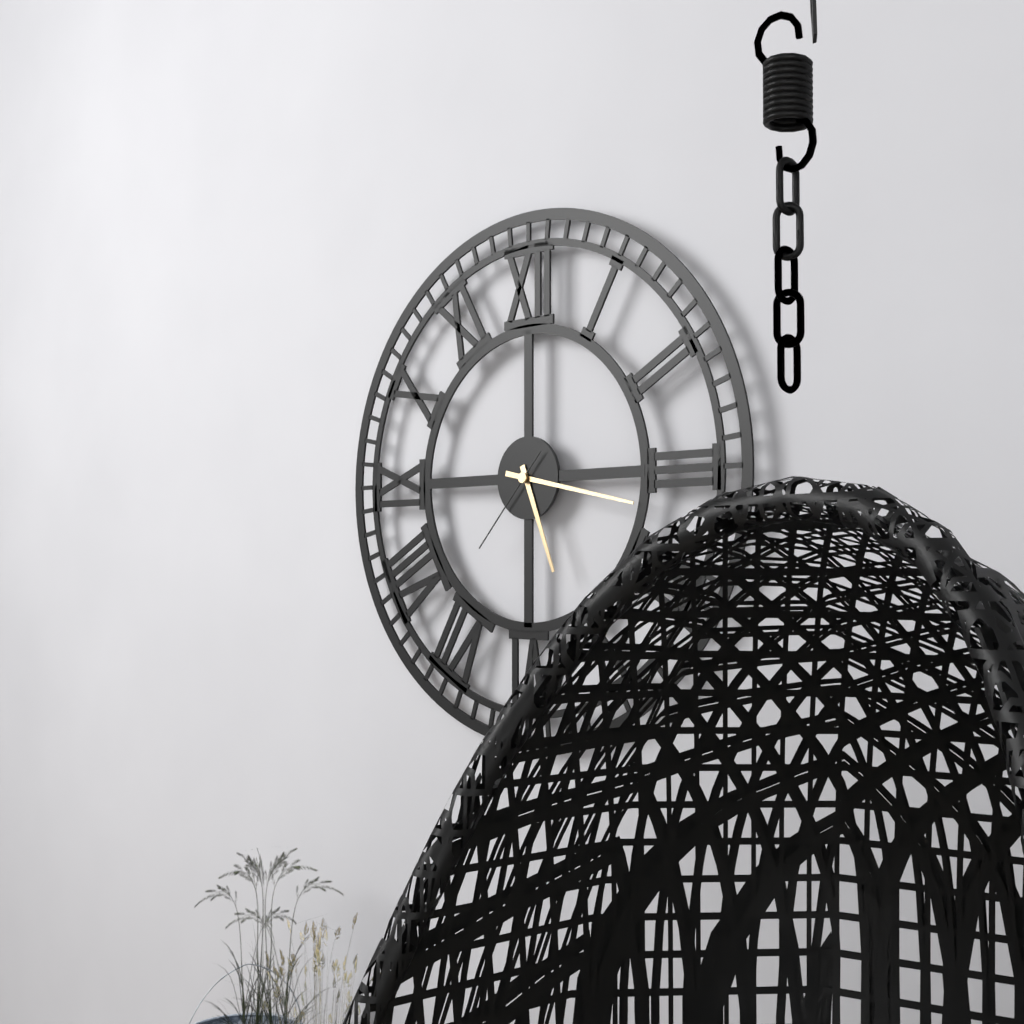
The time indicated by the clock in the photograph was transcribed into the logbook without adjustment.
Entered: 5:17:37
